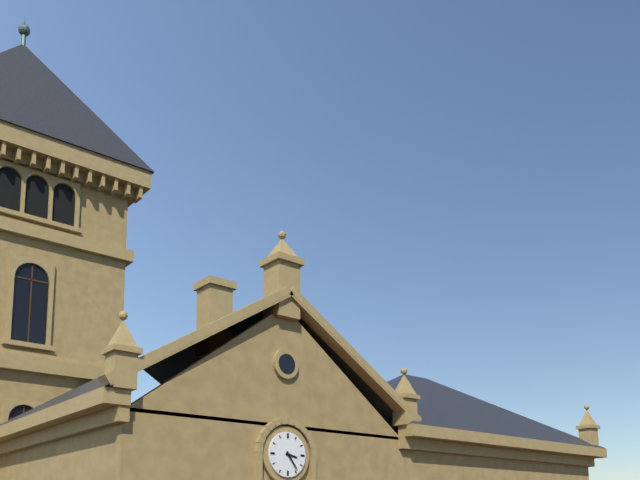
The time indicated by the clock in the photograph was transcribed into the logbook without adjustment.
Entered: 3:24
